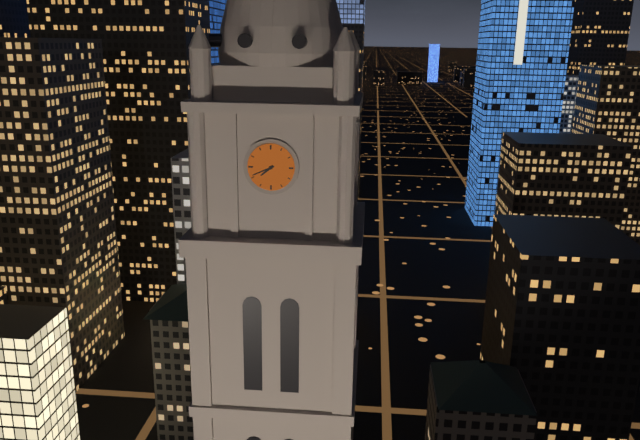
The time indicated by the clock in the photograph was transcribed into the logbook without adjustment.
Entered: 7:41
